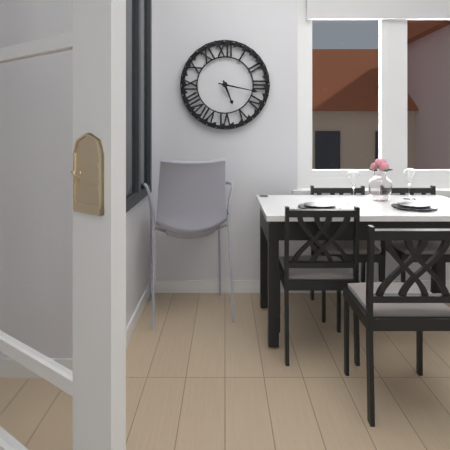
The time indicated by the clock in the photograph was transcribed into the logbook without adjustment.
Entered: 5:17
